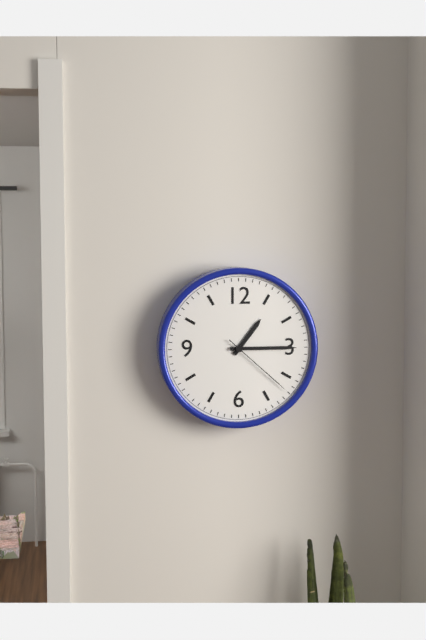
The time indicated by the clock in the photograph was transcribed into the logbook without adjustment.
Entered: 1:15:22
